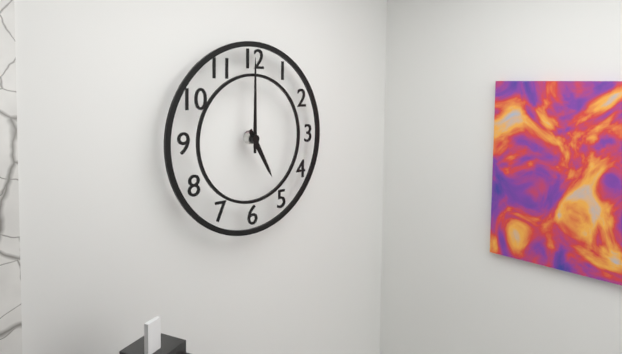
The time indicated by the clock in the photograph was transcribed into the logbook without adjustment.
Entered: 5:00
